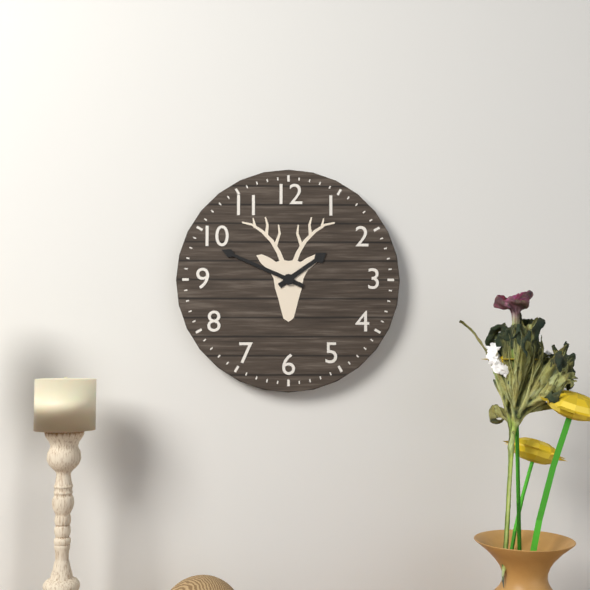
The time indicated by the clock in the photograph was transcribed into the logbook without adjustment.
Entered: 1:49
